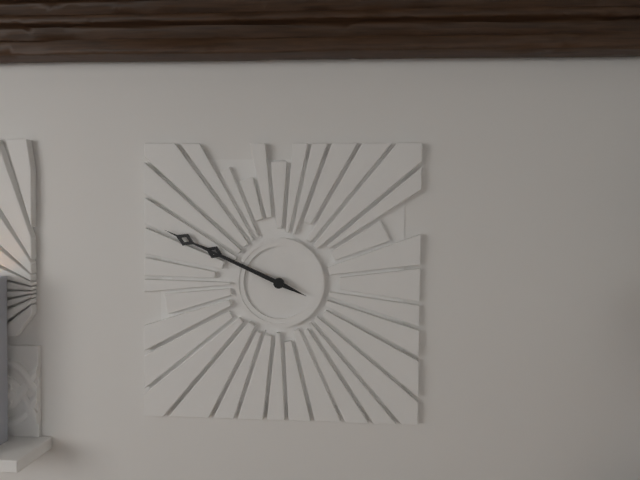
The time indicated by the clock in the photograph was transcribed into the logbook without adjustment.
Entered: 9:49
